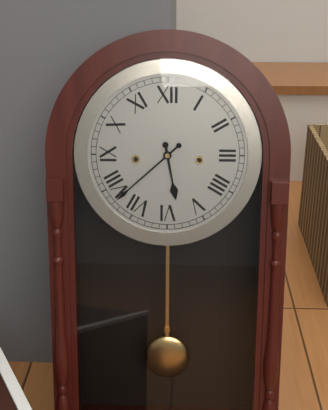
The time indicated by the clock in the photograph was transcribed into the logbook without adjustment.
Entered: 5:38
